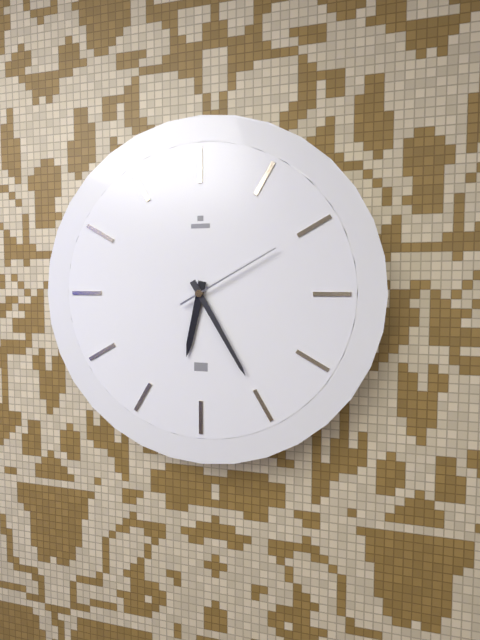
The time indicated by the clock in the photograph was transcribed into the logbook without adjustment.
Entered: 6:25:10
